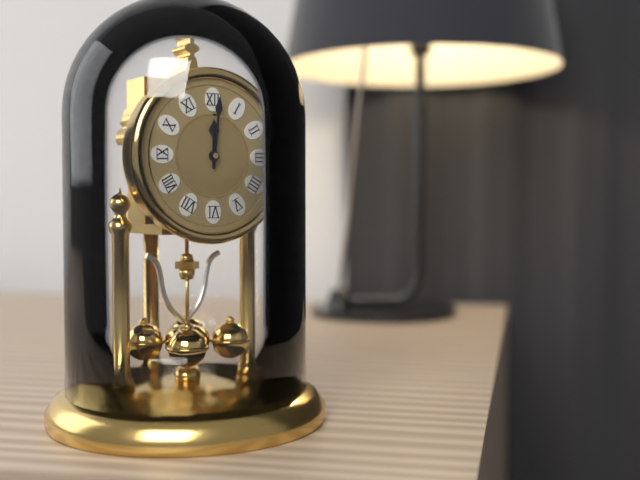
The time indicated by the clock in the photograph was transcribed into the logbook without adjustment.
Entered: 12:01
